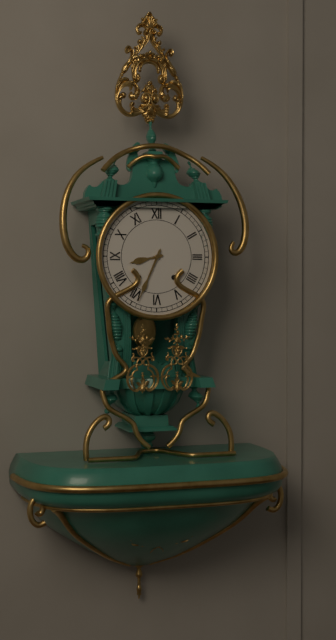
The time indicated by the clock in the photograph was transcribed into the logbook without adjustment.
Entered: 8:34
